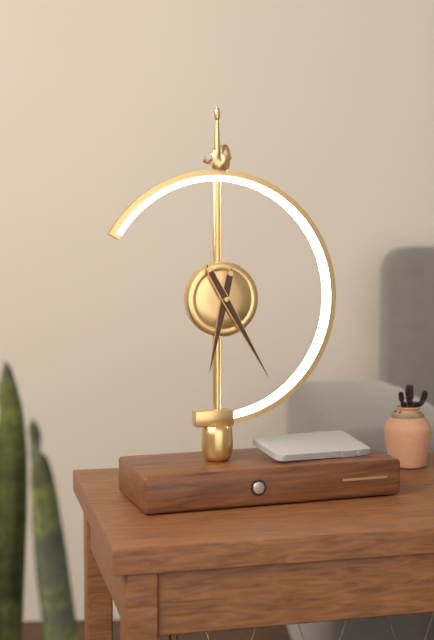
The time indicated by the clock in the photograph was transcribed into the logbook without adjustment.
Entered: 6:25
